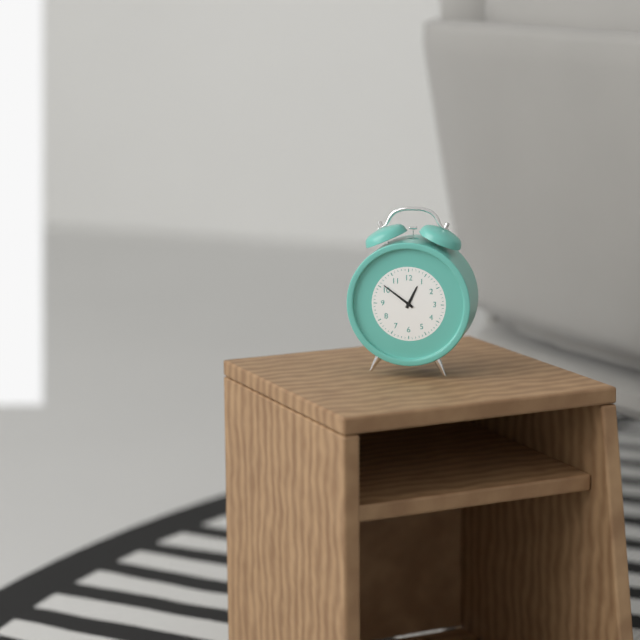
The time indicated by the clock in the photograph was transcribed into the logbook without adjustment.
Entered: 12:51
